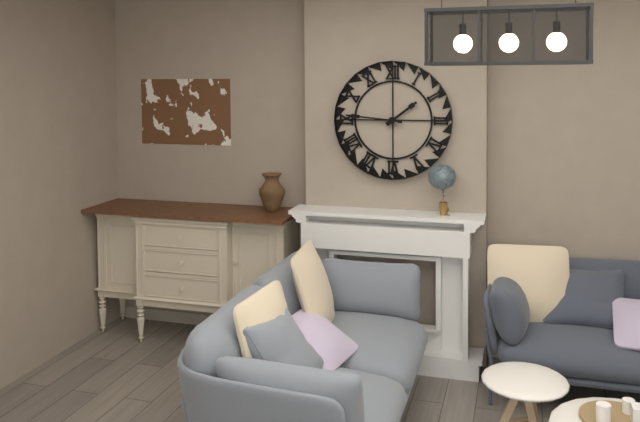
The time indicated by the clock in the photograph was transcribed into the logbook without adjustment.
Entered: 1:46
